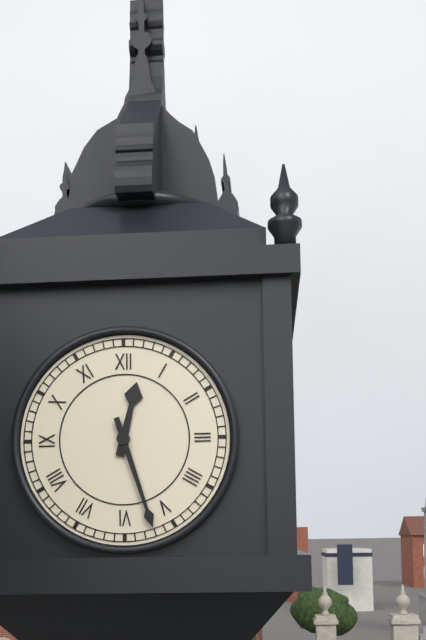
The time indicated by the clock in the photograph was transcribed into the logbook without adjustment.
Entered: 12:27
